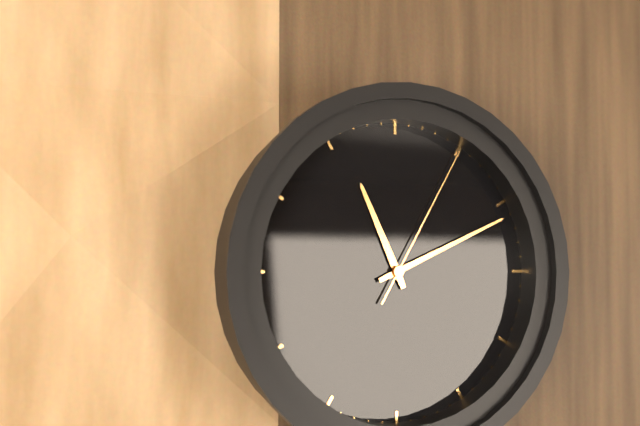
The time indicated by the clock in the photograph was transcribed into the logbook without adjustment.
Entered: 11:11:05
